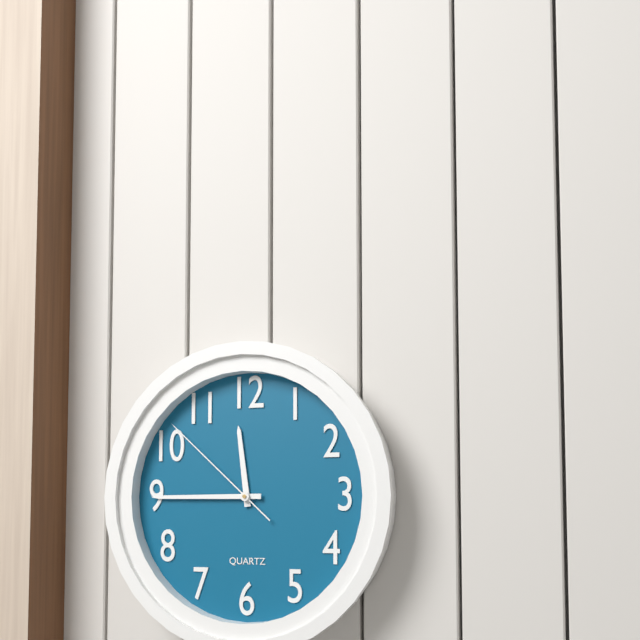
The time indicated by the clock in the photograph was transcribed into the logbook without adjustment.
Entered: 11:45:52
